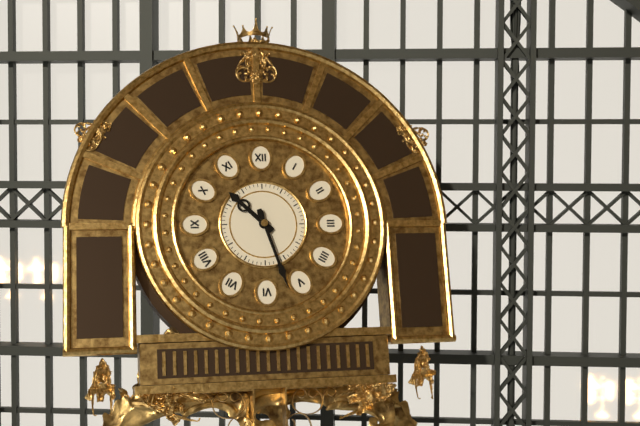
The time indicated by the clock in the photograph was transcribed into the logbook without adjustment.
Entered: 10:27
